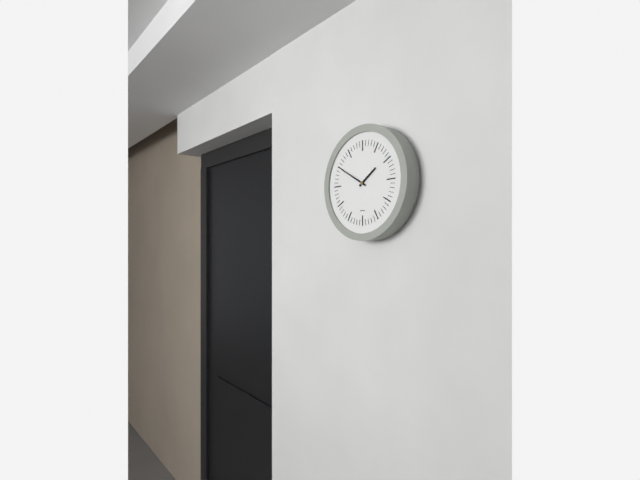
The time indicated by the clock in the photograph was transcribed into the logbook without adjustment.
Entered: 1:50
